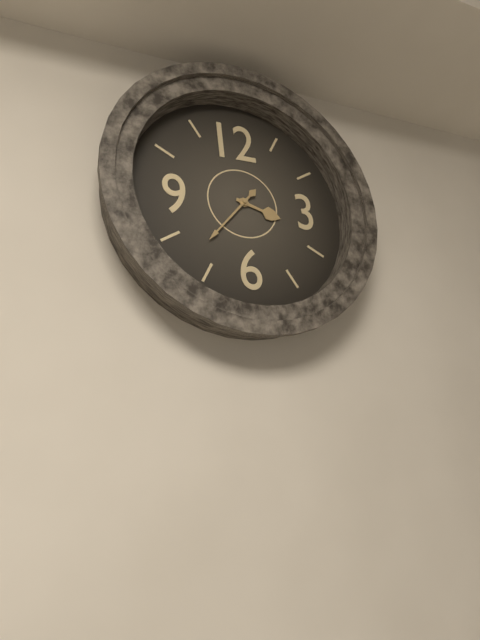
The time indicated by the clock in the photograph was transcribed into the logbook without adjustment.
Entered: 3:37
